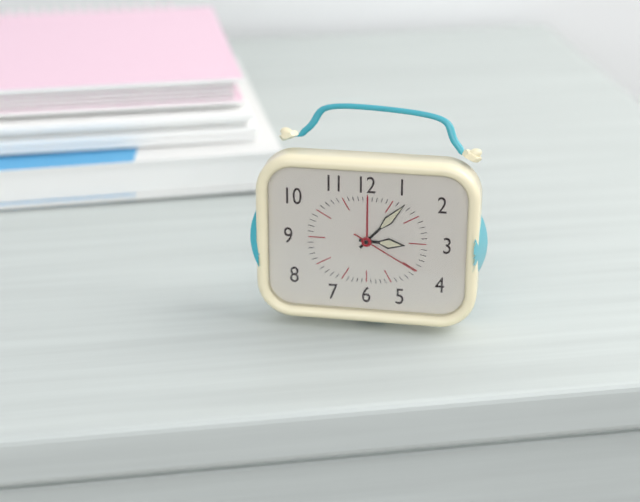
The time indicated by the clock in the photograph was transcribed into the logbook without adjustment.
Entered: 3:07:20
